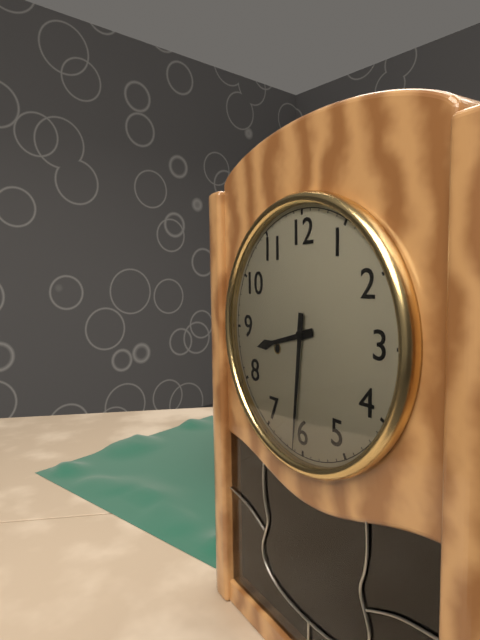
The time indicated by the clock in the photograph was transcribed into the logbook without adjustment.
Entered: 8:31
